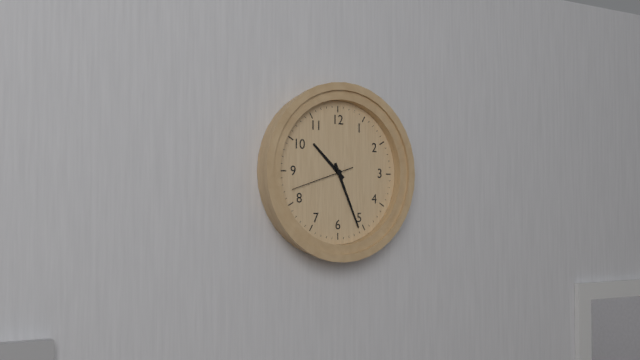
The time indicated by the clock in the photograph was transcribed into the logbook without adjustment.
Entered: 10:26:42
